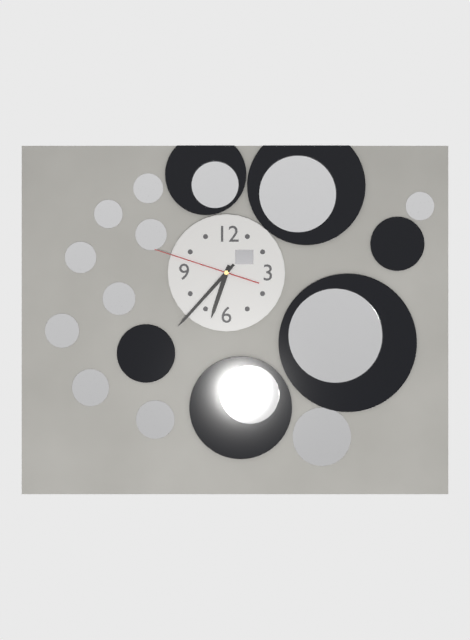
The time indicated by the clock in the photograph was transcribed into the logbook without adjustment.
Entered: 6:37:48
